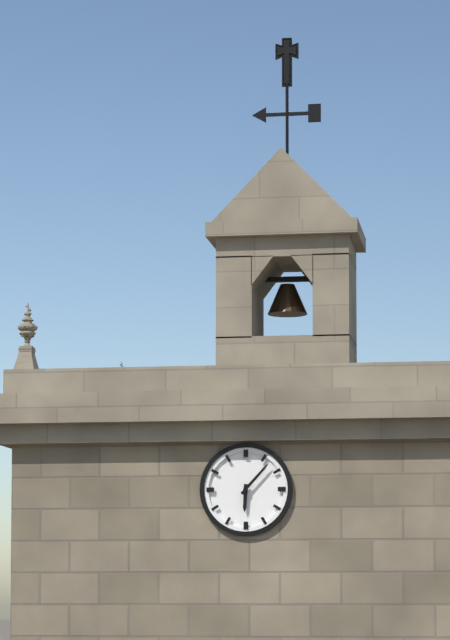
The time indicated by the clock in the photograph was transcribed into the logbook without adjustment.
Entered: 6:07
